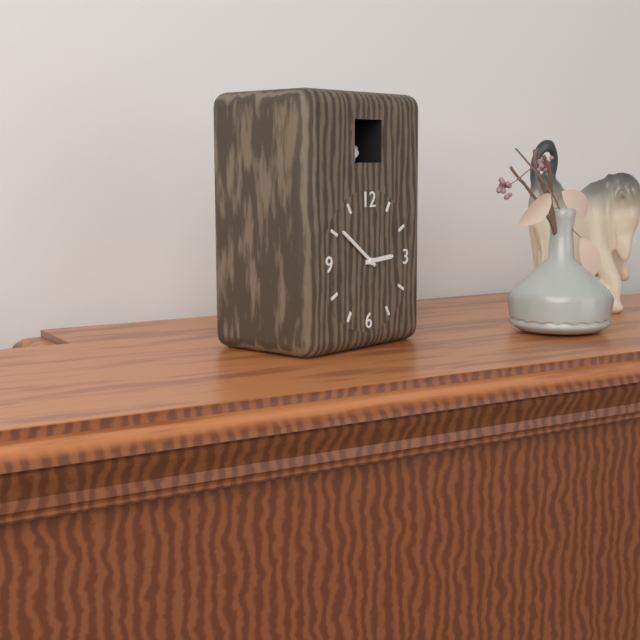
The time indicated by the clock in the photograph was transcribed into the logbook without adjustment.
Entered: 2:51
